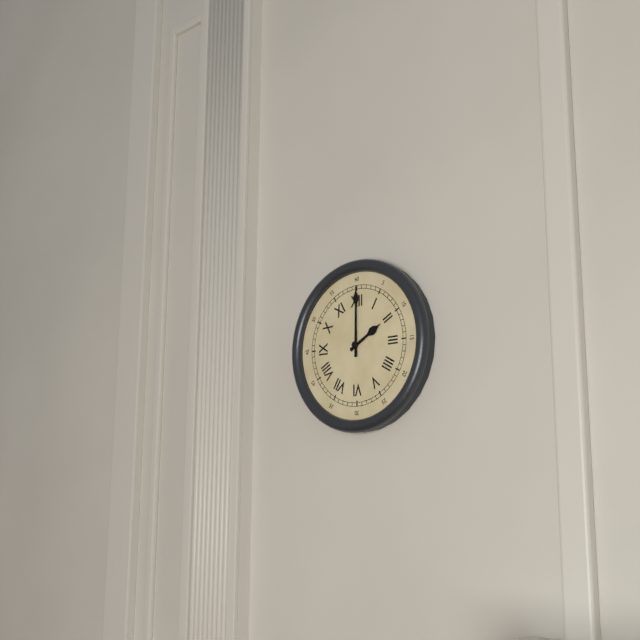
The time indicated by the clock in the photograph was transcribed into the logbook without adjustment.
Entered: 2:00
